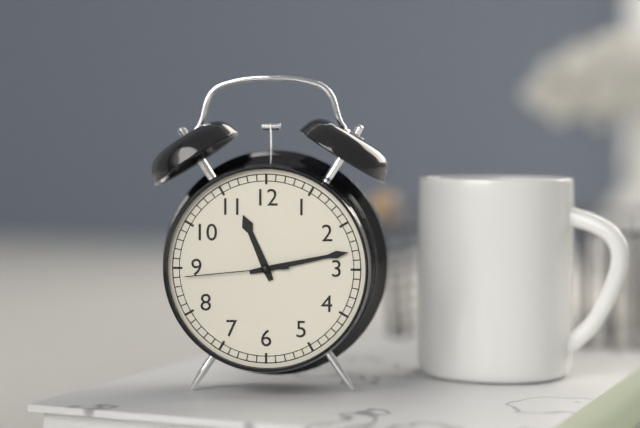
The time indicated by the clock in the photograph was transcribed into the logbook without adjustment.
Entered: 11:13:44
